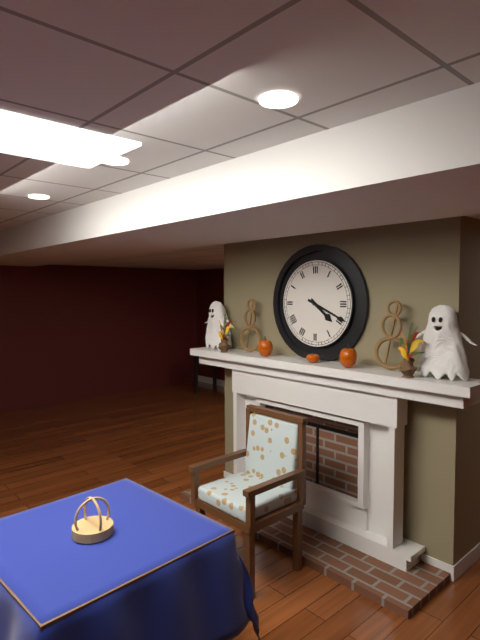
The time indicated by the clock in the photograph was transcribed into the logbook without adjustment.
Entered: 4:19
